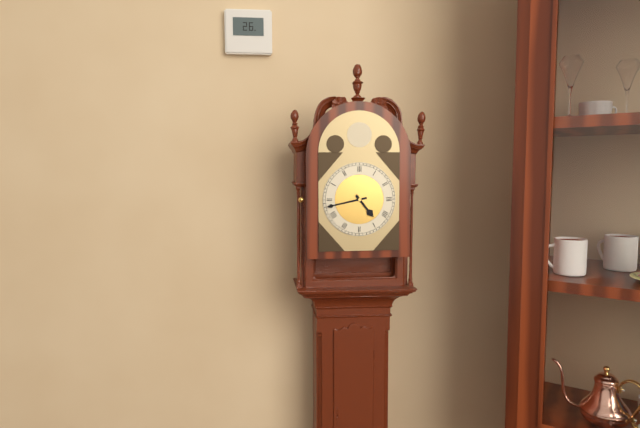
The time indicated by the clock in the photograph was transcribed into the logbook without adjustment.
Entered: 4:43
